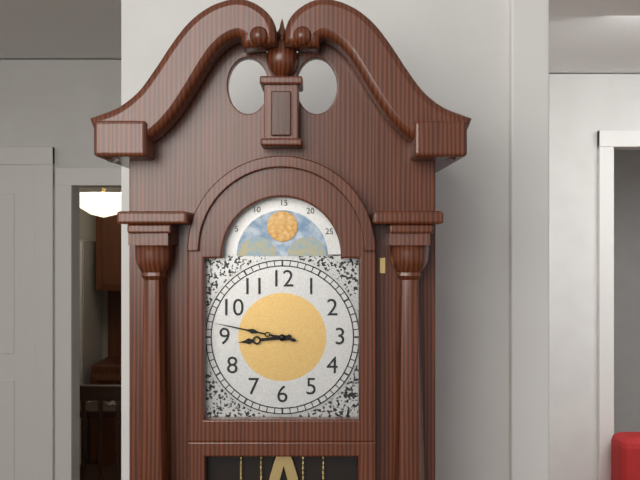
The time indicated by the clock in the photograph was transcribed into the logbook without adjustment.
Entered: 8:47
